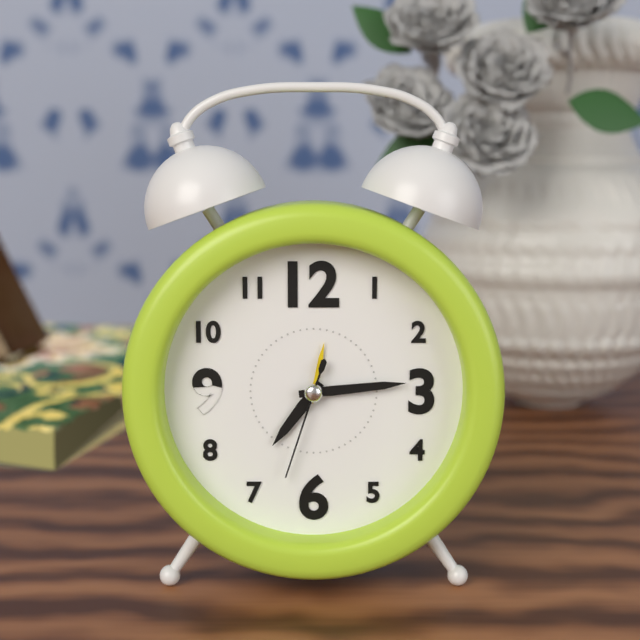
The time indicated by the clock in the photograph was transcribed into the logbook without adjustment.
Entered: 7:14:33
